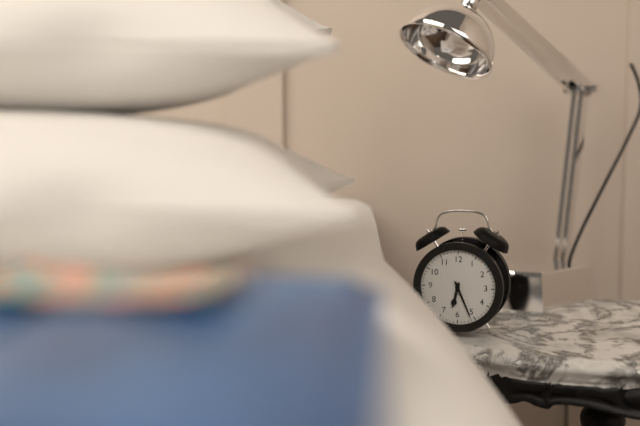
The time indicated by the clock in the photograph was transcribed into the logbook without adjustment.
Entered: 6:26
